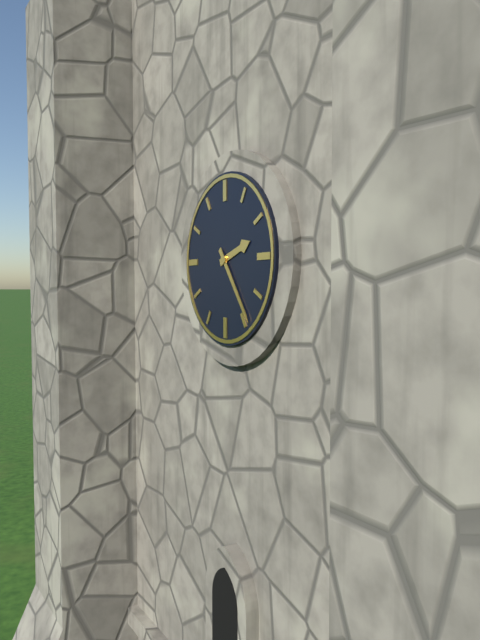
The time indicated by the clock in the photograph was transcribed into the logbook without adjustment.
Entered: 2:24
